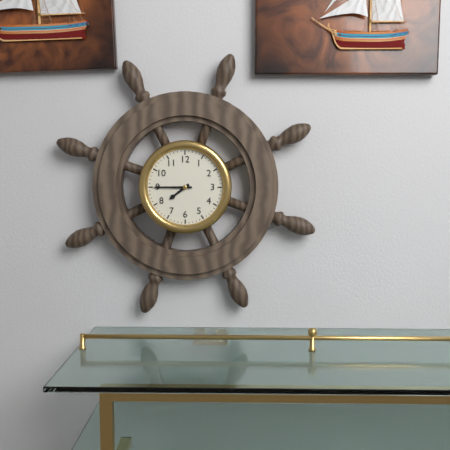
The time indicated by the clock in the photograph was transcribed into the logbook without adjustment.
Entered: 7:45
